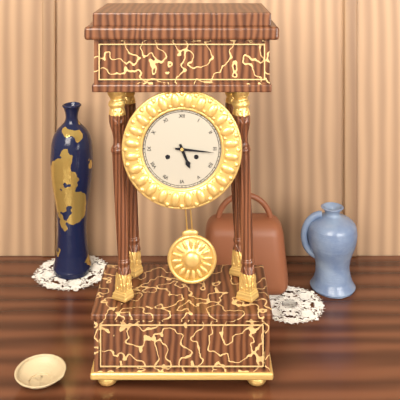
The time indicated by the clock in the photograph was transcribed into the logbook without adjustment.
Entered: 5:16
